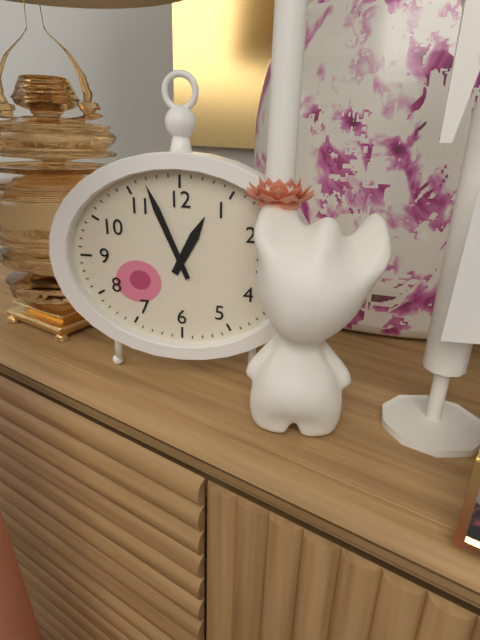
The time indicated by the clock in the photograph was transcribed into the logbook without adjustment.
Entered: 12:56
